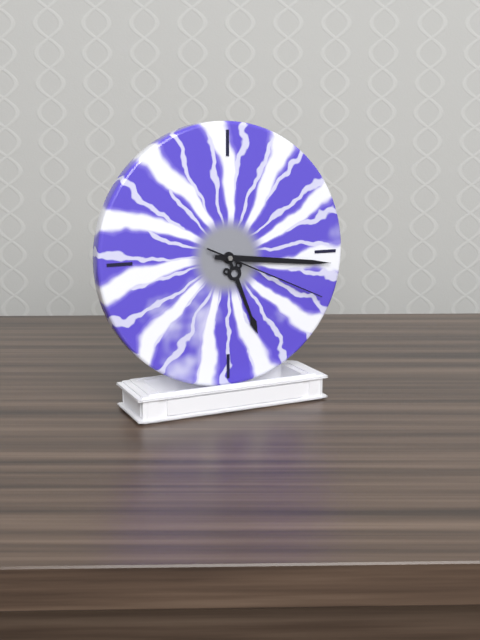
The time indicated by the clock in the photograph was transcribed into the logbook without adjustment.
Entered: 5:16:19
